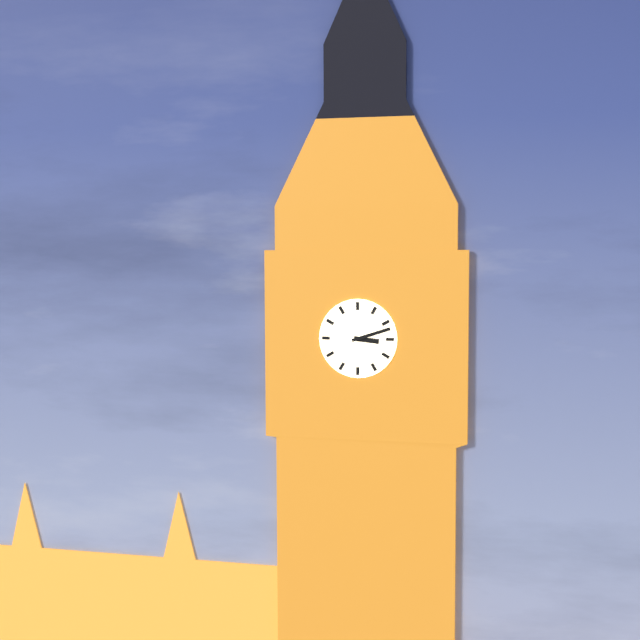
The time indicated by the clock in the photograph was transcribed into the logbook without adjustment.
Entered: 3:12
